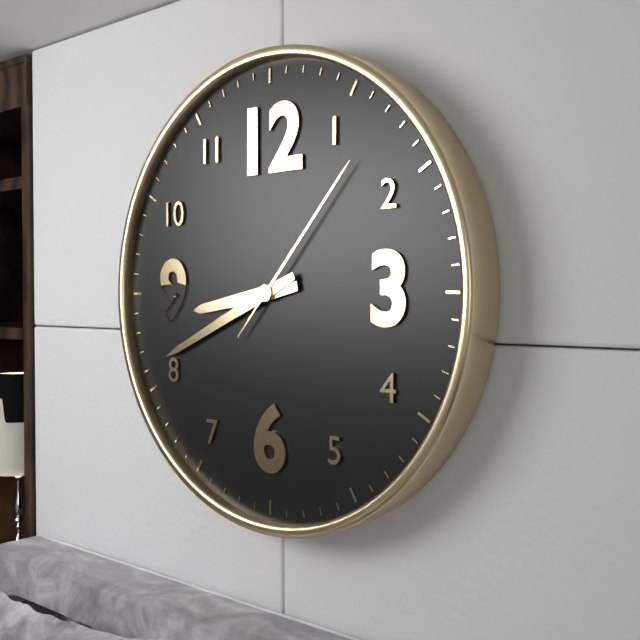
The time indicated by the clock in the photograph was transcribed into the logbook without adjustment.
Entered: 8:41:07
